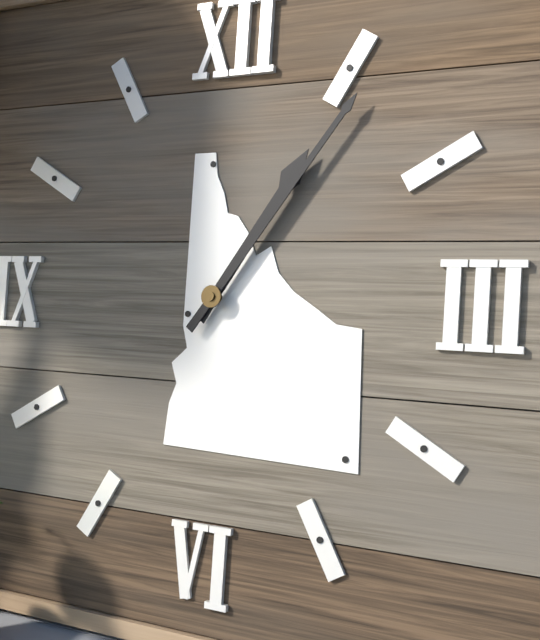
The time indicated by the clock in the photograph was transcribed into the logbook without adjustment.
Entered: 1:06
